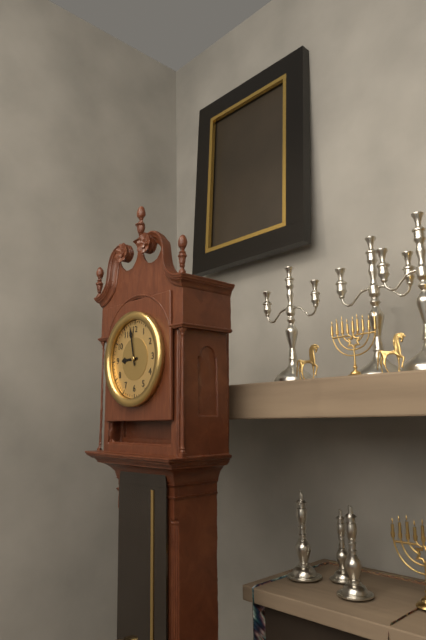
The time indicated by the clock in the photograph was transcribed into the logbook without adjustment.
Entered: 8:58
